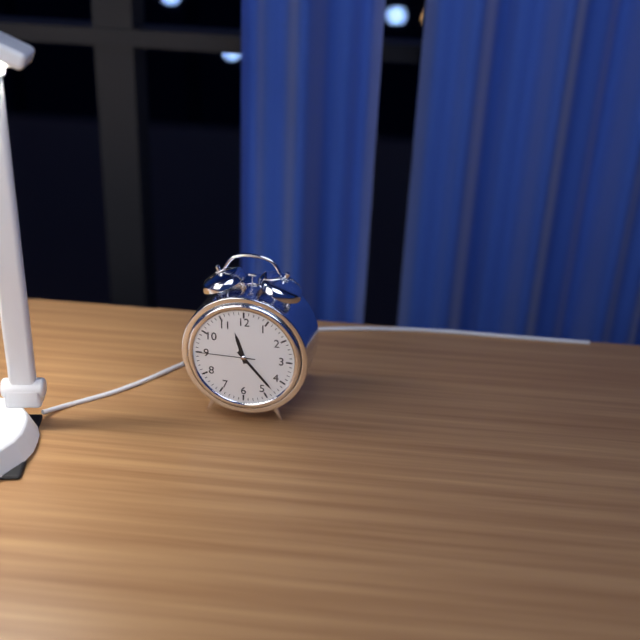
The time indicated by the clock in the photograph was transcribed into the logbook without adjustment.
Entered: 11:23:45
